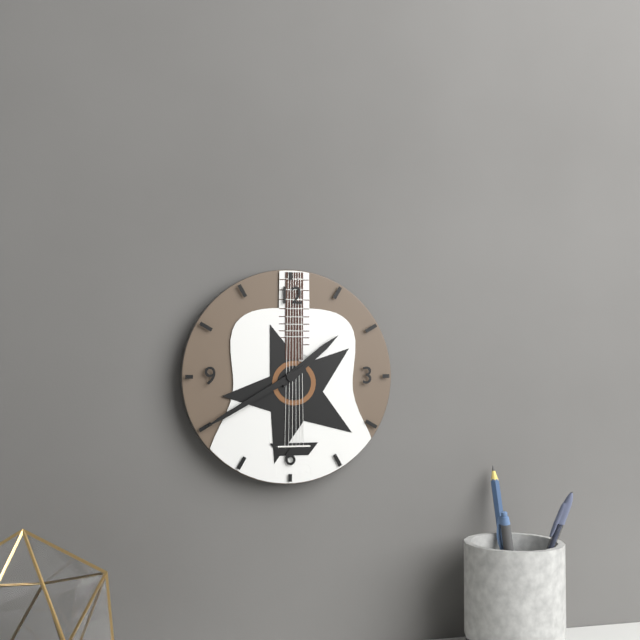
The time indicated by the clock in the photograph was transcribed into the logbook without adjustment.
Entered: 1:40
